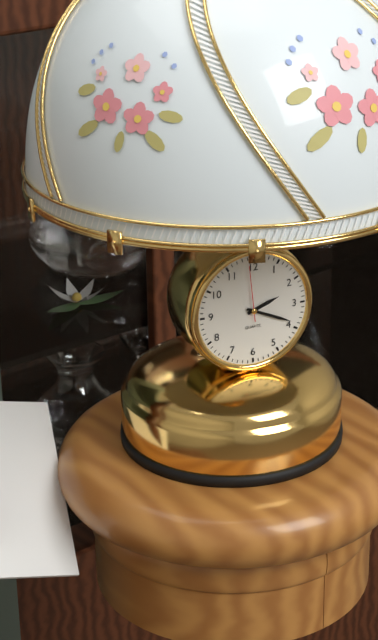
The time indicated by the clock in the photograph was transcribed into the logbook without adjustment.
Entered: 2:19:59
